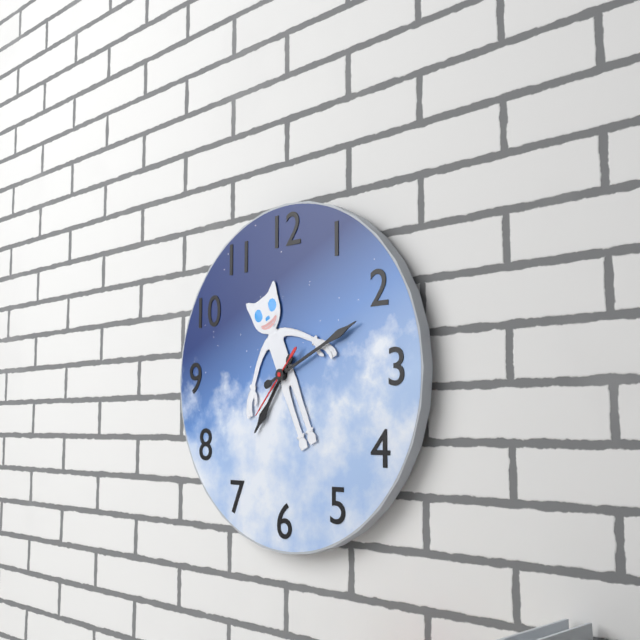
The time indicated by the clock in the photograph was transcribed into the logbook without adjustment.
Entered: 7:11:37
